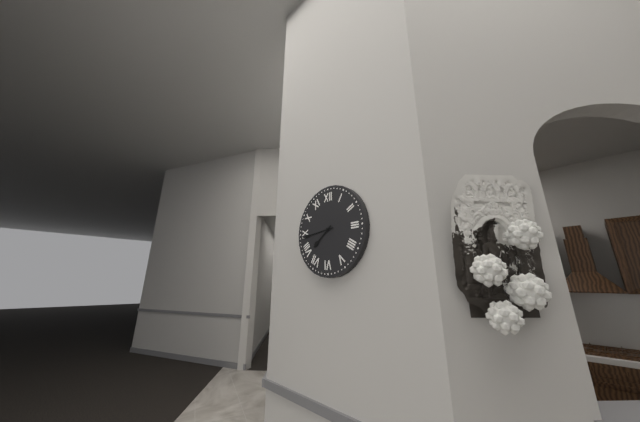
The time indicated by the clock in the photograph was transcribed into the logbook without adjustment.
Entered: 7:44
